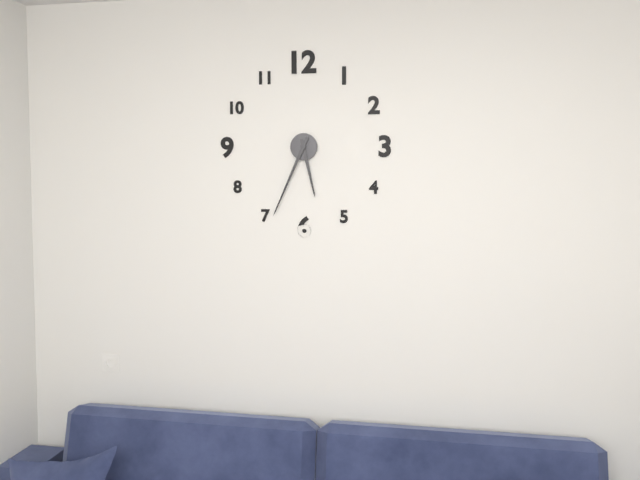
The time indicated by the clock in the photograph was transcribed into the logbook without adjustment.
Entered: 5:34
